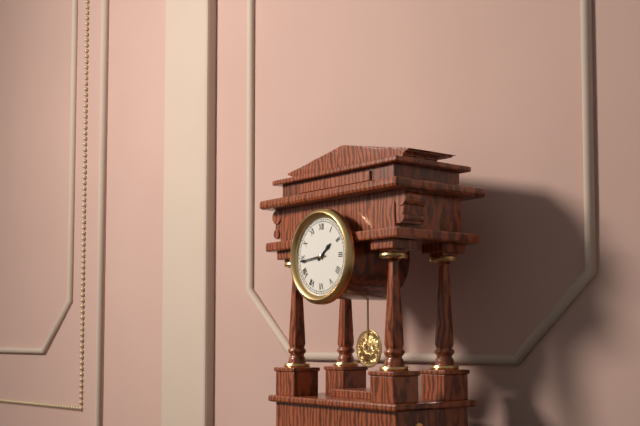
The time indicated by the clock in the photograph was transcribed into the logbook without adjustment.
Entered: 1:44
